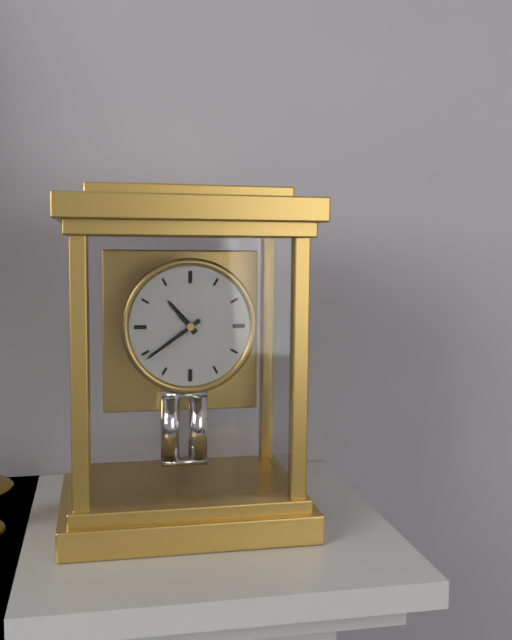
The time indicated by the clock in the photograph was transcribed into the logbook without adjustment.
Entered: 10:39
